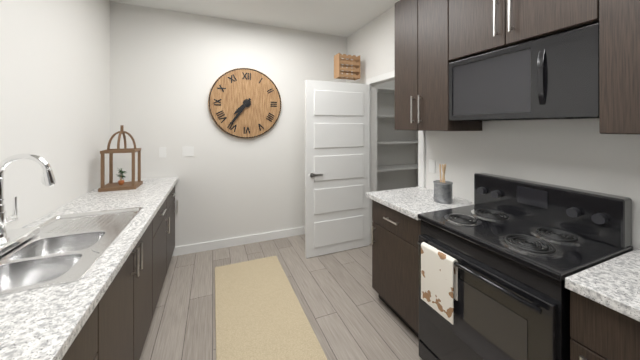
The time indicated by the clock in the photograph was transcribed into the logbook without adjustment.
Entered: 7:36
